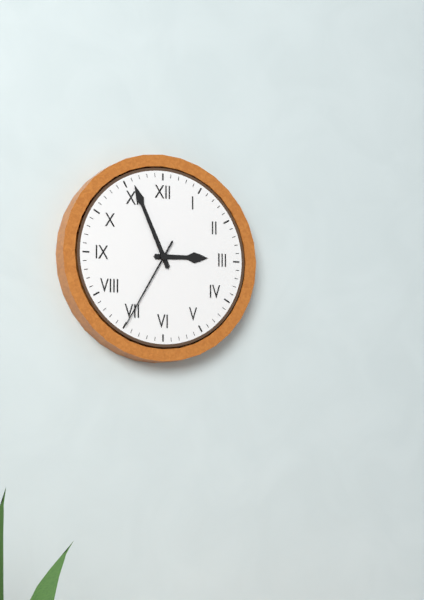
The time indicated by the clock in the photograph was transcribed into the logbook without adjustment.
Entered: 2:56:35
